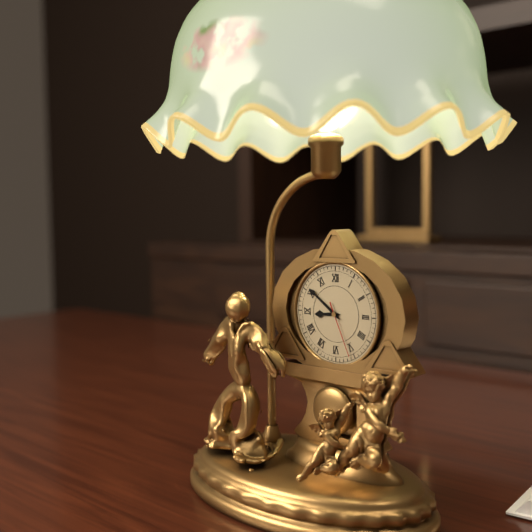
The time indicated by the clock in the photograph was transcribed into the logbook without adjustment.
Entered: 8:51:26
